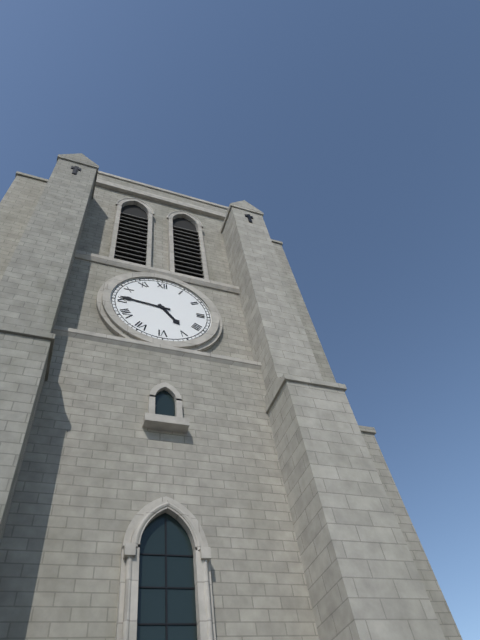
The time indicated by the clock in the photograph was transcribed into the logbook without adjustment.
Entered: 4:46
